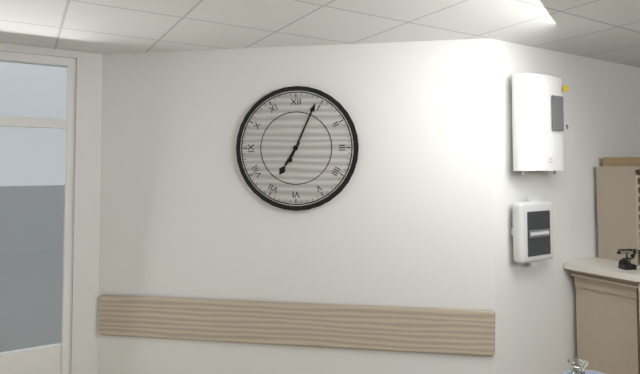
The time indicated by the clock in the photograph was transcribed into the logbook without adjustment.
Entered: 7:04
